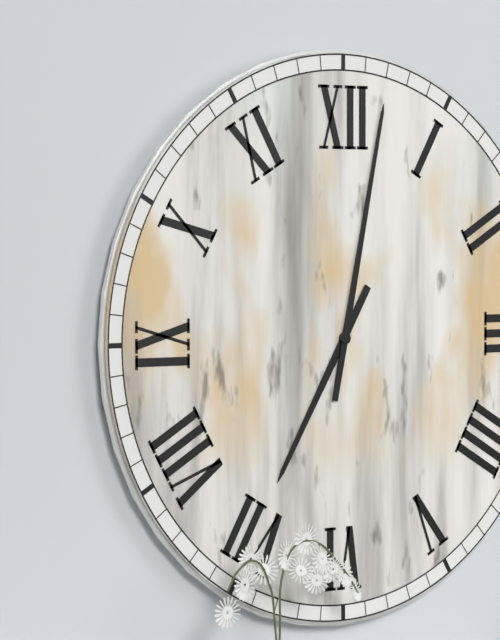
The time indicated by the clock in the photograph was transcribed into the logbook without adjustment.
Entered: 7:02
